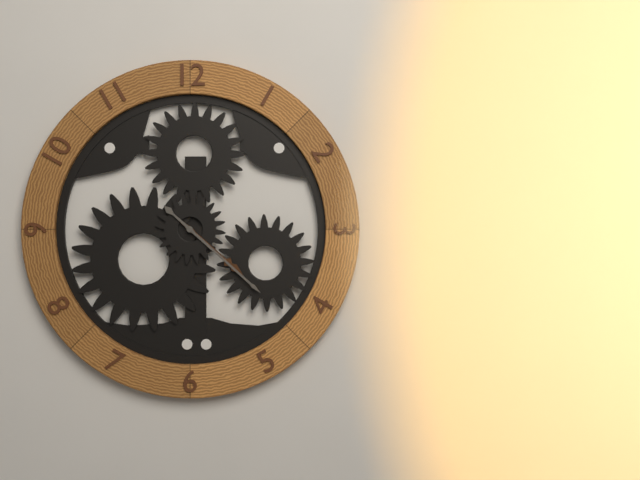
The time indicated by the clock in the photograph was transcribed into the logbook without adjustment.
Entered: 4:22
